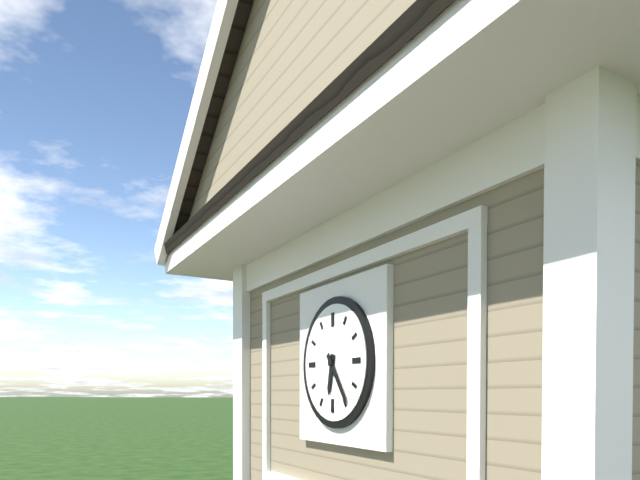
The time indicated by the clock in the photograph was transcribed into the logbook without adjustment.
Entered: 6:24
